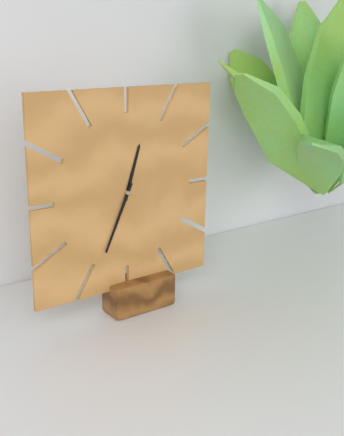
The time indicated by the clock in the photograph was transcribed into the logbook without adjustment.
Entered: 12:34
